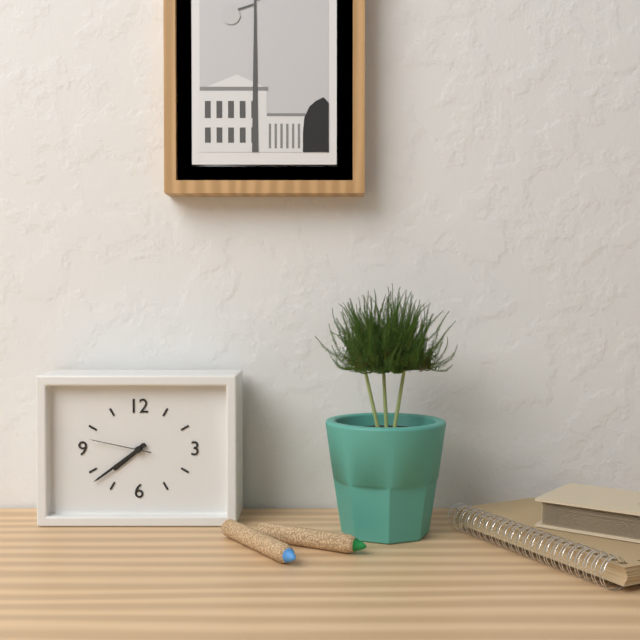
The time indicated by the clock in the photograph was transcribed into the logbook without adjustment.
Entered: 7:39:47
